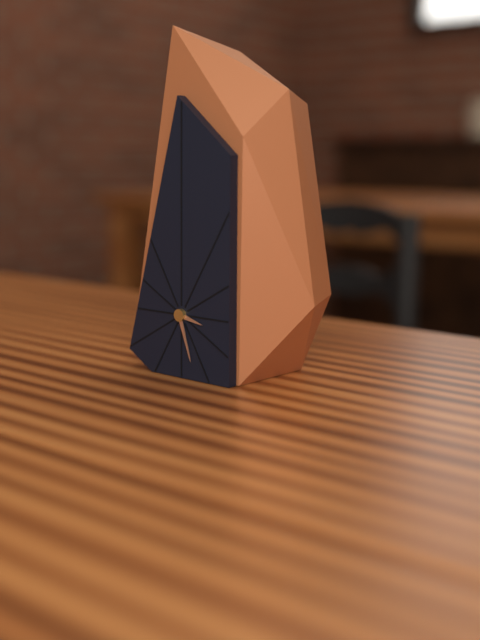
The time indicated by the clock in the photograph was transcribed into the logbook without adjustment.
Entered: 3:27
